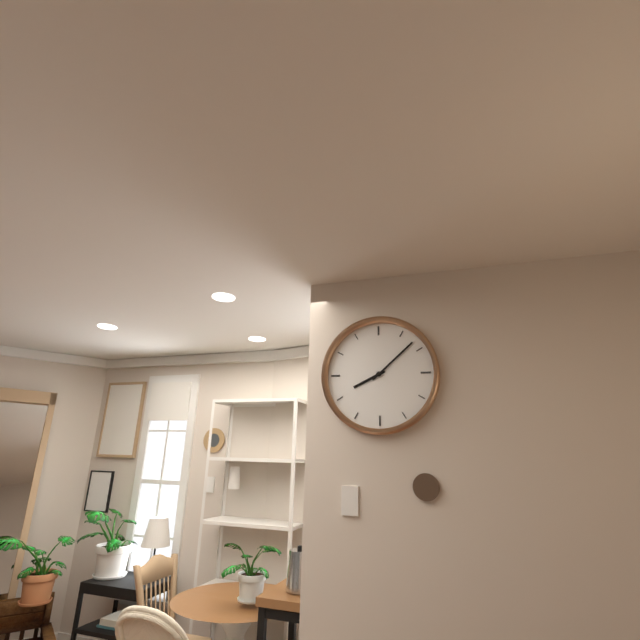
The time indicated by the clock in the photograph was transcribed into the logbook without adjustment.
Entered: 8:08
